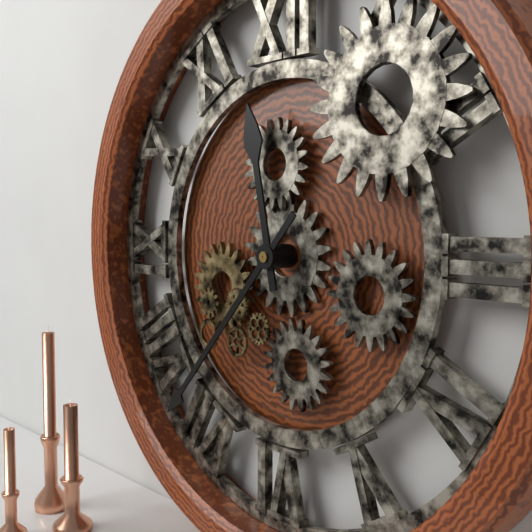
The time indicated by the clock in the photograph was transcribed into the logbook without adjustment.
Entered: 11:37
